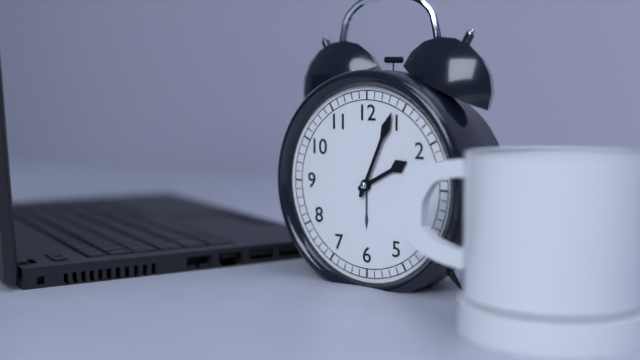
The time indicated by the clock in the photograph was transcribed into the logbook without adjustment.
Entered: 2:04
